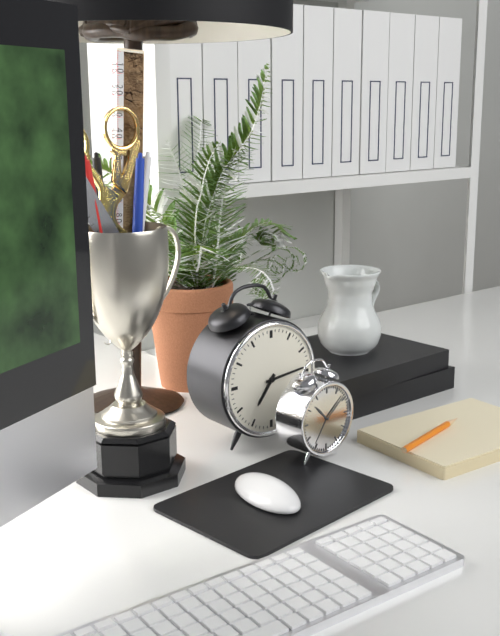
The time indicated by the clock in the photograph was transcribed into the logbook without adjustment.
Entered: 7:14
